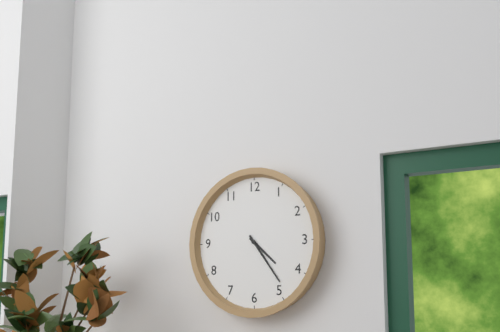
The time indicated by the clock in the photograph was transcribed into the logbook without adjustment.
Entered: 4:24
